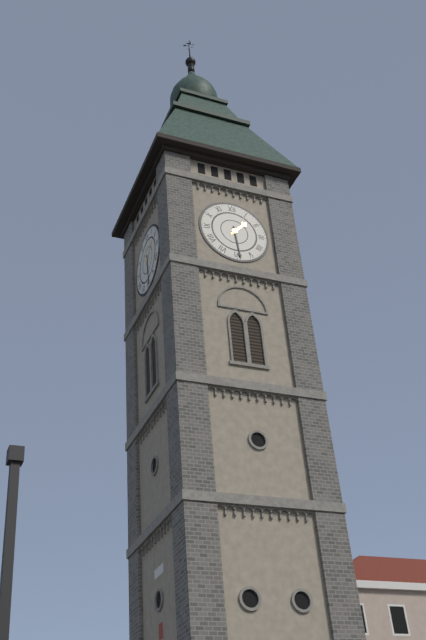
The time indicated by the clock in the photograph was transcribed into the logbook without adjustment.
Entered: 1:29
